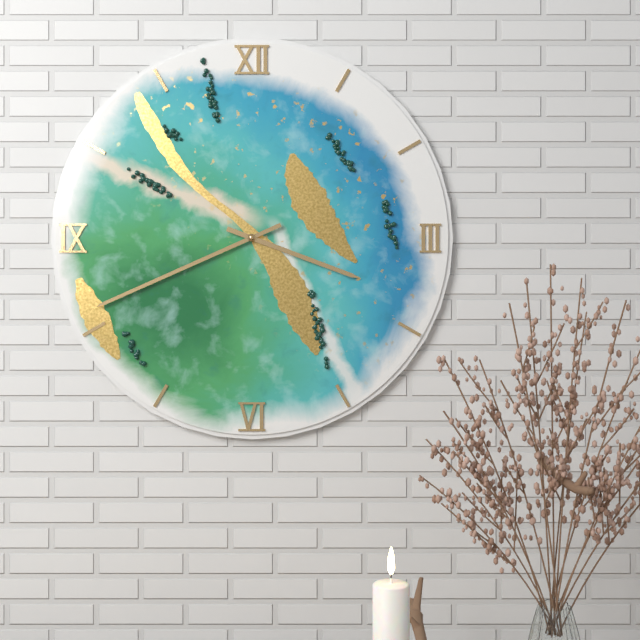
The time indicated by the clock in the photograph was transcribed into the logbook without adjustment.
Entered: 3:41
